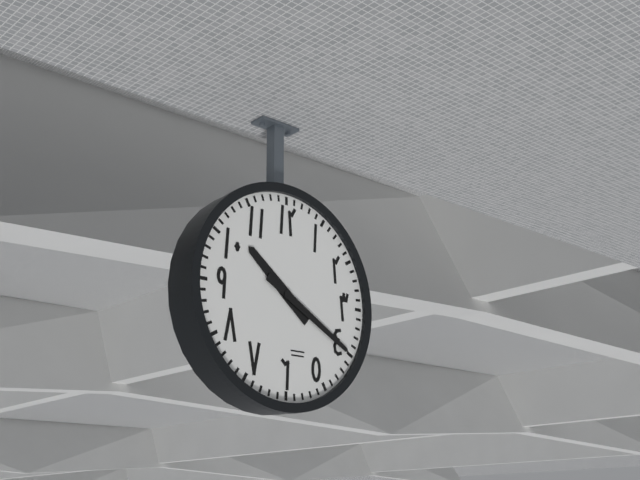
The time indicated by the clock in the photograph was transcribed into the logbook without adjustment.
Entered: 10:20
